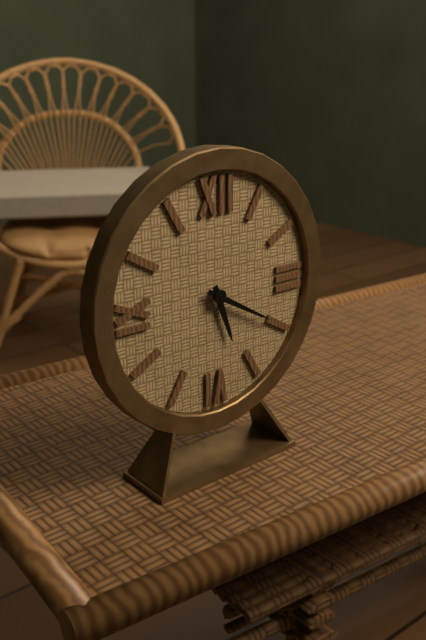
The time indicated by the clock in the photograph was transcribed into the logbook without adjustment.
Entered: 5:20
